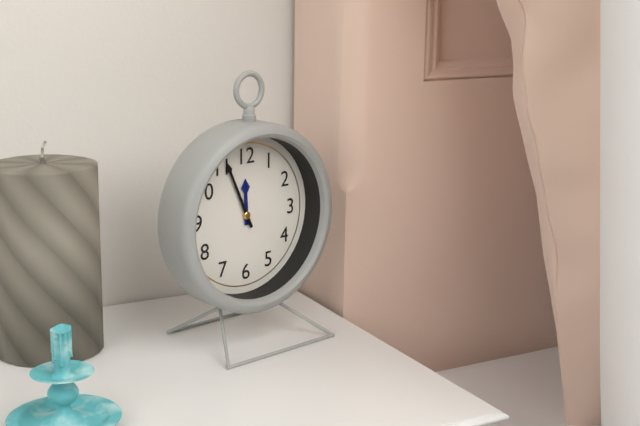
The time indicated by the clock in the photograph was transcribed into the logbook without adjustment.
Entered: 11:56
